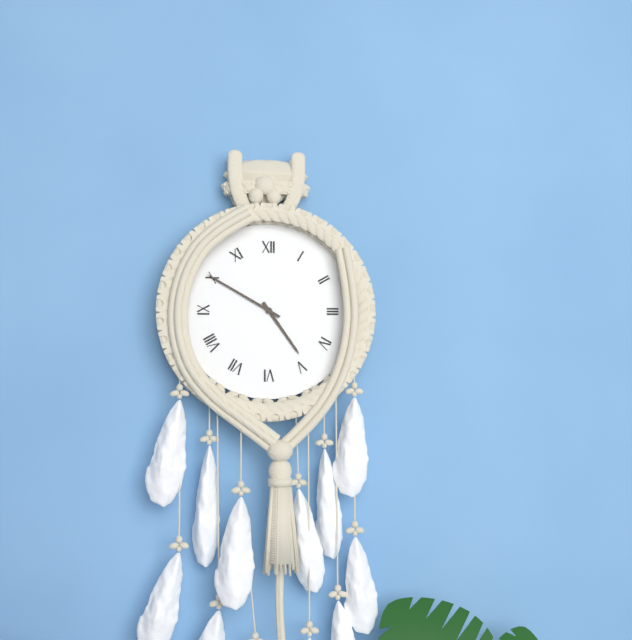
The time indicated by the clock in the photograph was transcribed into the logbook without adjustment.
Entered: 4:50
